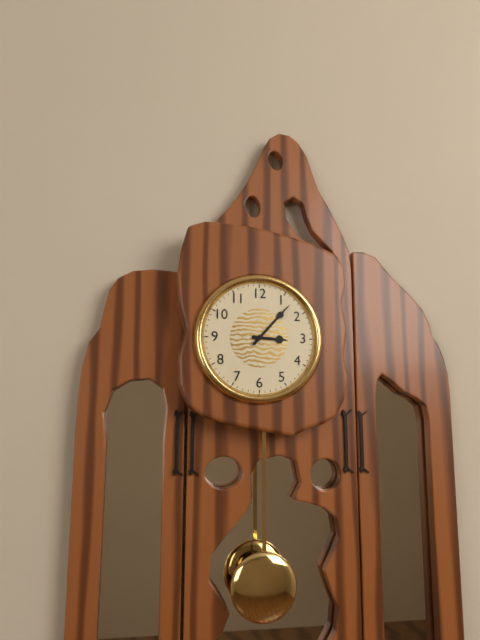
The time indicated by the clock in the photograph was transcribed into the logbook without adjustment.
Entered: 3:07
